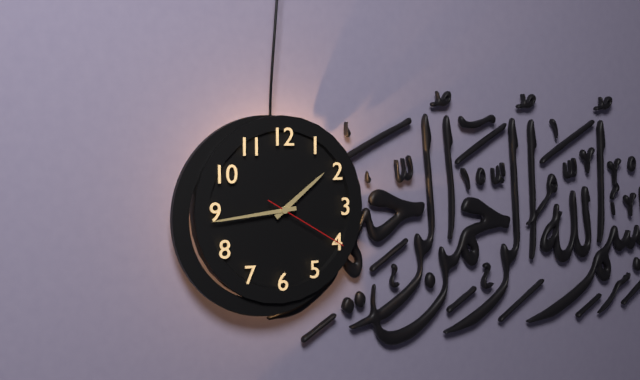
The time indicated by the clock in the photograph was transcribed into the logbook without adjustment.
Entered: 1:44:20
